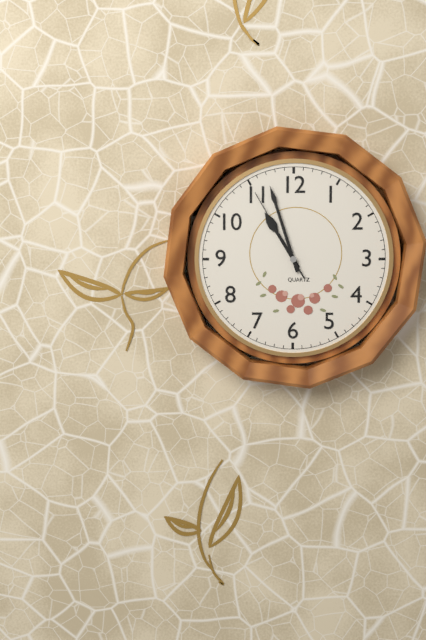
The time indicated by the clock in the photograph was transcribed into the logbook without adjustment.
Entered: 10:57:55
